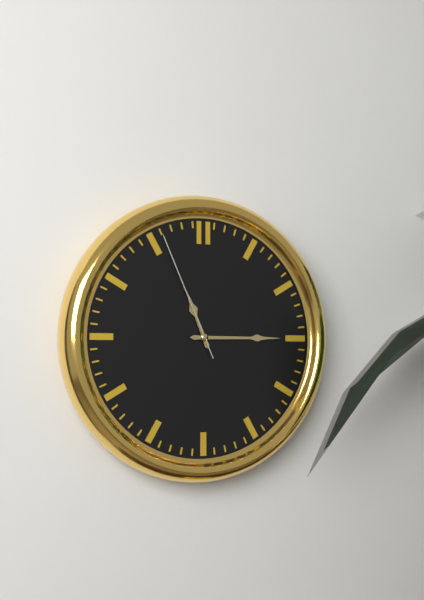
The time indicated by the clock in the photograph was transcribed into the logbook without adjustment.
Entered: 11:15:56
